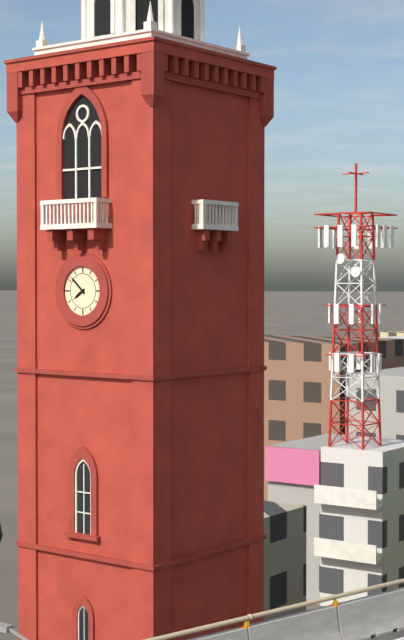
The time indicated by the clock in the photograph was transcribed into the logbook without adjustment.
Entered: 7:52
